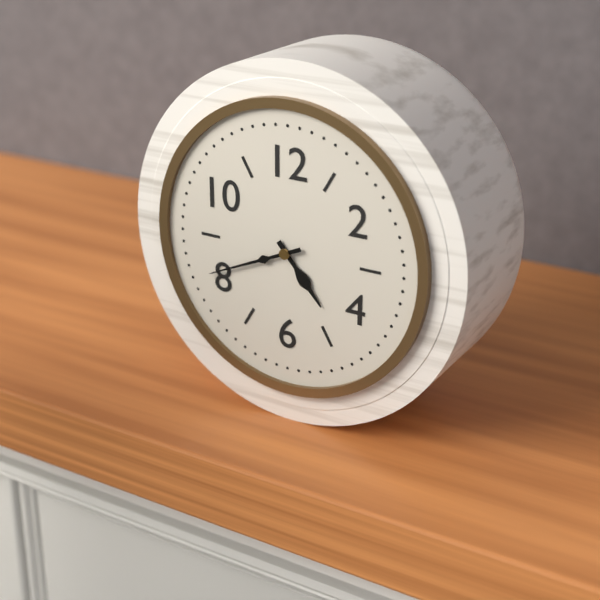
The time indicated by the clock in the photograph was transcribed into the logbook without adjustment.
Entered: 4:41
